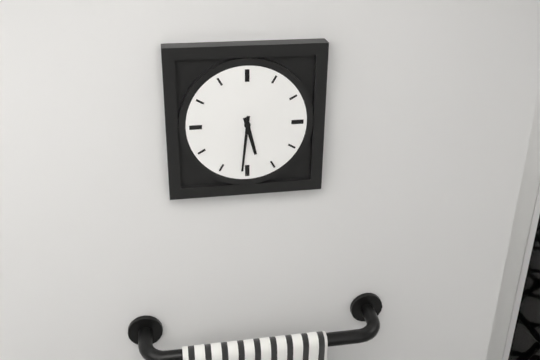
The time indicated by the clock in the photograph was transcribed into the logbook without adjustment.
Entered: 5:31
